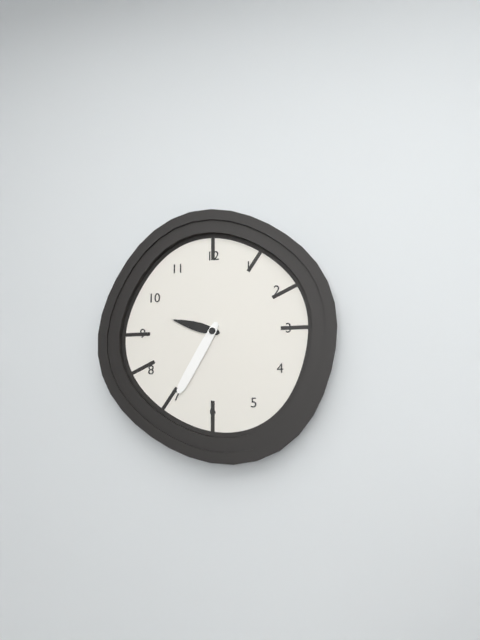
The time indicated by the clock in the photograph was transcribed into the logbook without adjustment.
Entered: 9:35
